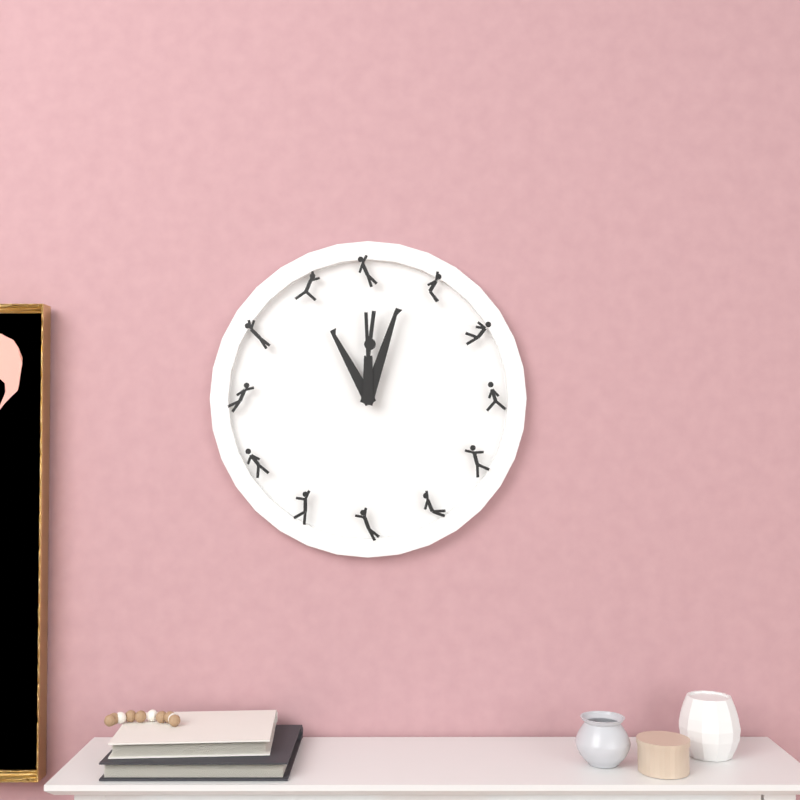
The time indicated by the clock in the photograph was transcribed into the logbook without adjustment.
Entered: 11:03
